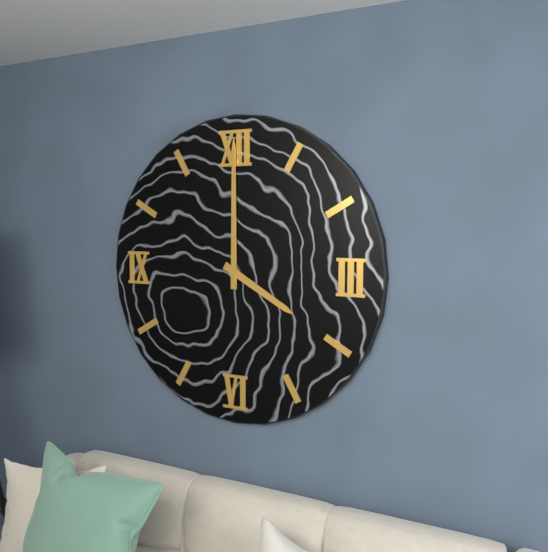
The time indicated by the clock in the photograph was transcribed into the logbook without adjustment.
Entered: 4:00
